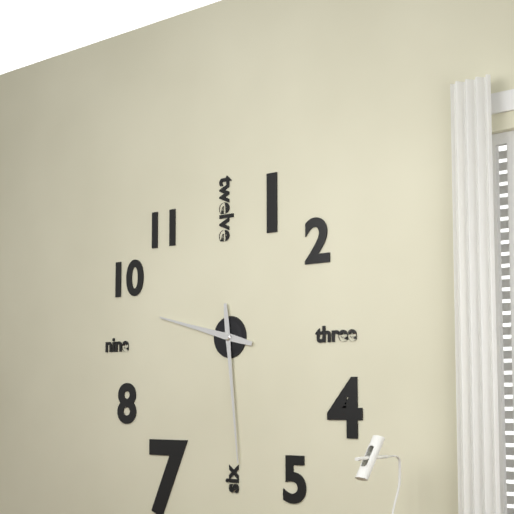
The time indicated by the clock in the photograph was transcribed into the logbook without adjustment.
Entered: 9:29
